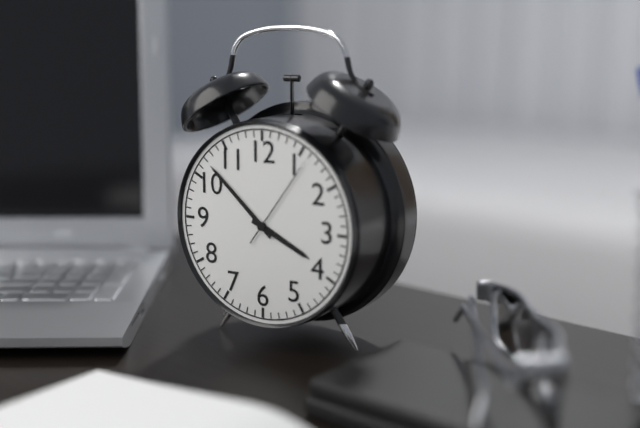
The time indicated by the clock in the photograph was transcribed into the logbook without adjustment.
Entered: 3:52:06
